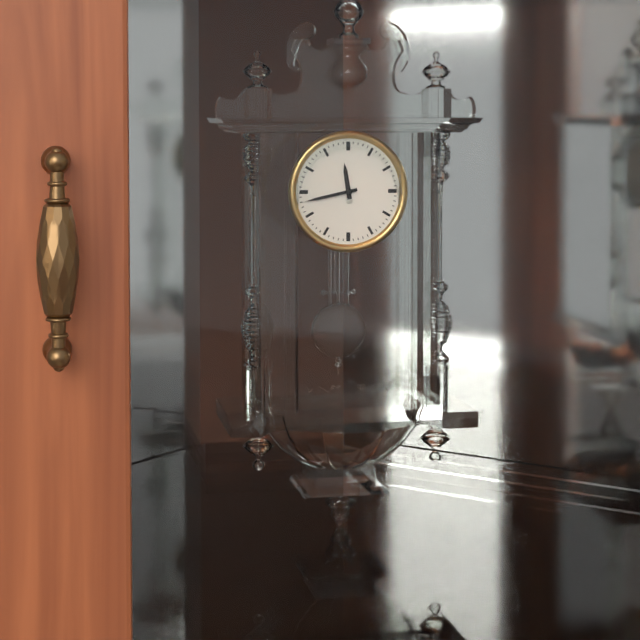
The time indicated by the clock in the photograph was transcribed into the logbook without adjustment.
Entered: 11:43
